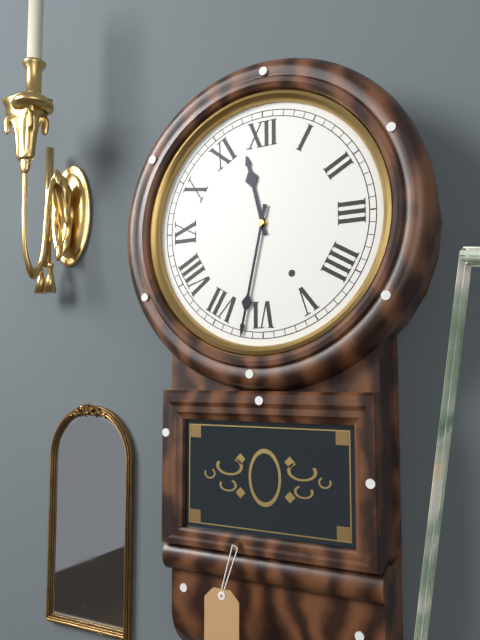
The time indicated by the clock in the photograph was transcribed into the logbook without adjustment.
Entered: 11:32
